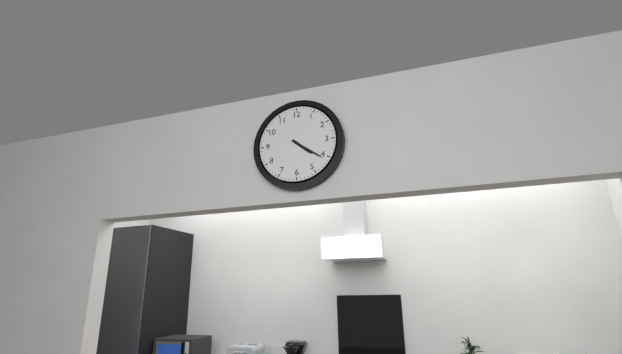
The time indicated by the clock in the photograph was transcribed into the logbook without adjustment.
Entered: 4:21
